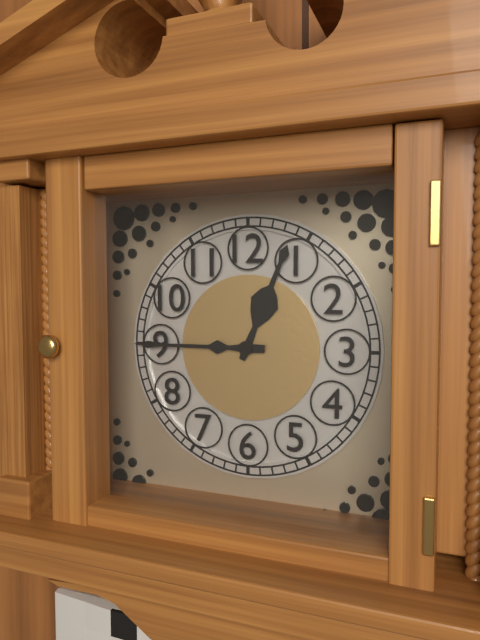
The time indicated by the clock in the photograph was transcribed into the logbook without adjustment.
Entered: 12:45
